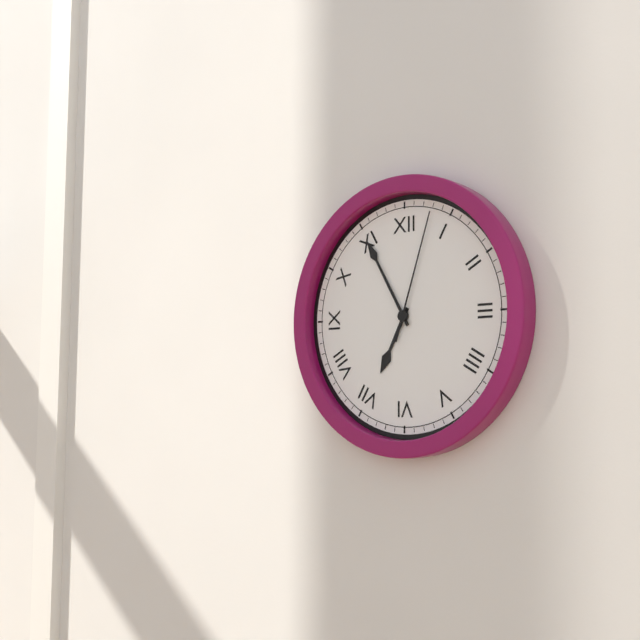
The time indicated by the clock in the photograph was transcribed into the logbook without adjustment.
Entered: 6:55:03
